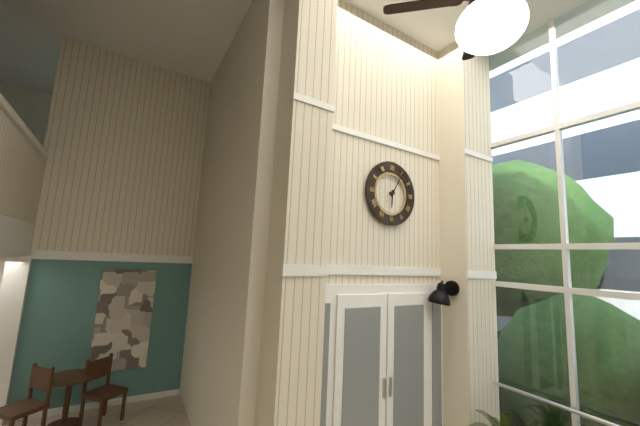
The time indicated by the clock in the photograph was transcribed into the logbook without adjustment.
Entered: 6:05
